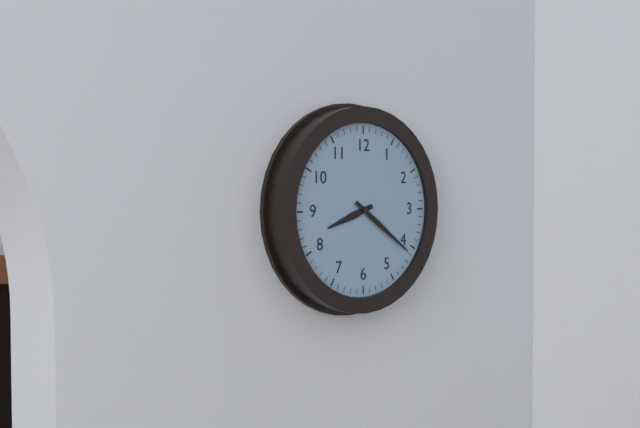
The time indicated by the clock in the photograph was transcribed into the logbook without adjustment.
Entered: 8:21
